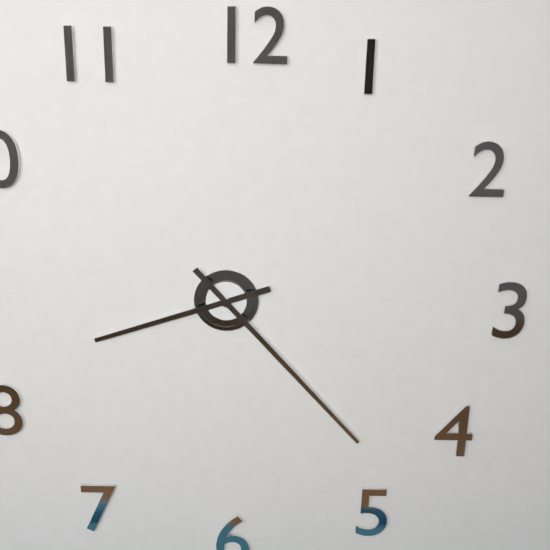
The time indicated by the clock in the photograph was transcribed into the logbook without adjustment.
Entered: 8:23
